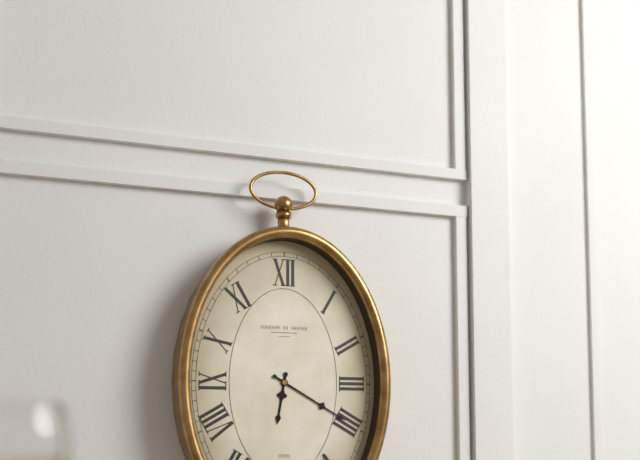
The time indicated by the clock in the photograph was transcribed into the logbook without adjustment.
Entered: 6:20
